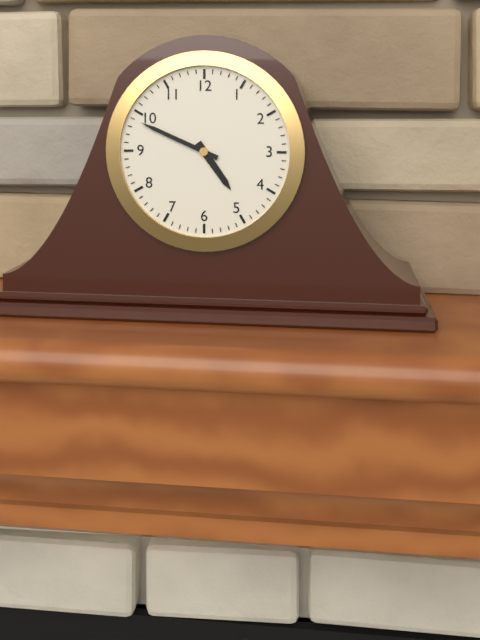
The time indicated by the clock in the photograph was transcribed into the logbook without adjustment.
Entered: 4:49
